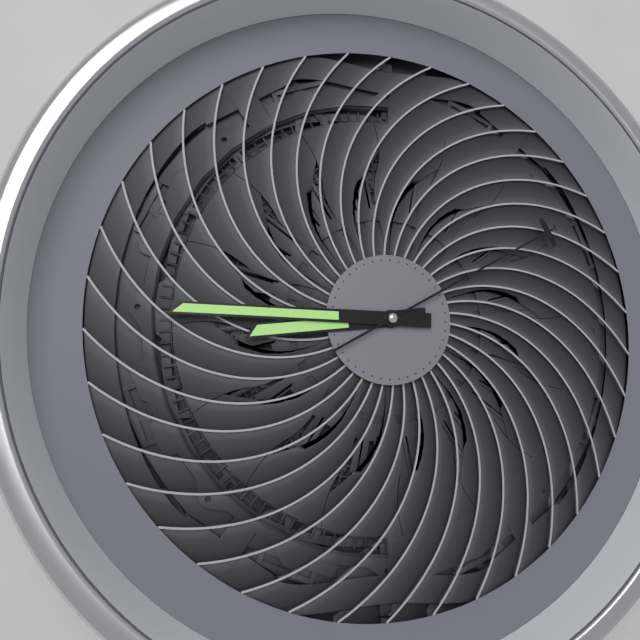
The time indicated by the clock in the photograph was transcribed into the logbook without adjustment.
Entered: 8:45:10
